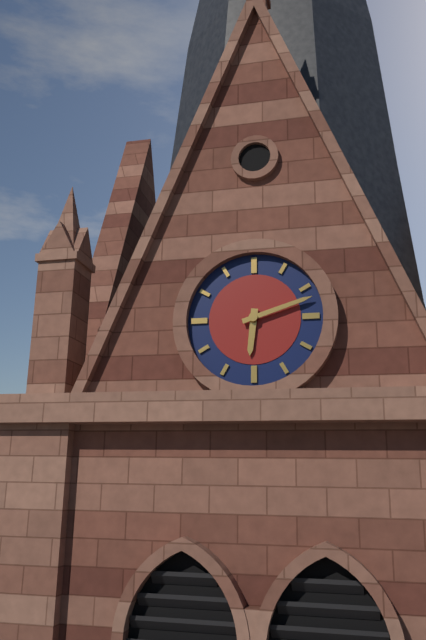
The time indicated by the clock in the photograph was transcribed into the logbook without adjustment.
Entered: 6:12
